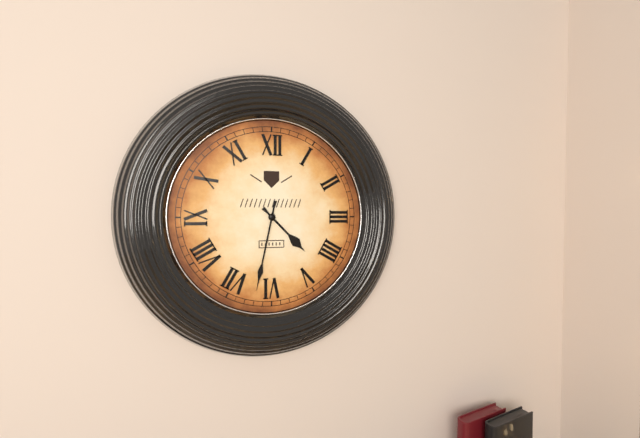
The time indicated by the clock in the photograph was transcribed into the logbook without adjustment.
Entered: 4:32
